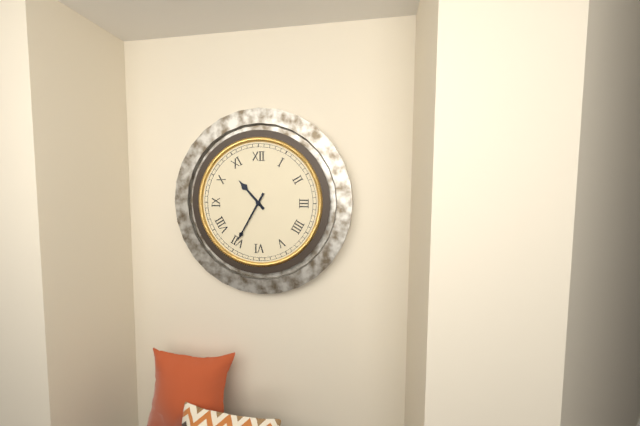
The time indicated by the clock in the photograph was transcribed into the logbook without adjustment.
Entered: 10:35
